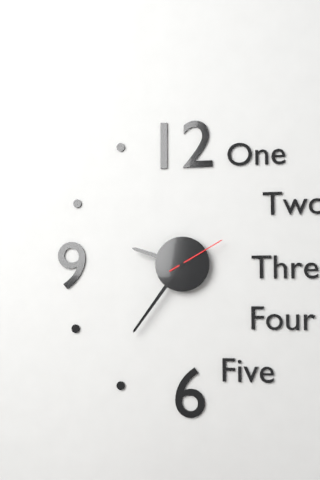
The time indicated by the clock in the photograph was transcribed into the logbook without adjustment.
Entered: 9:36:10
